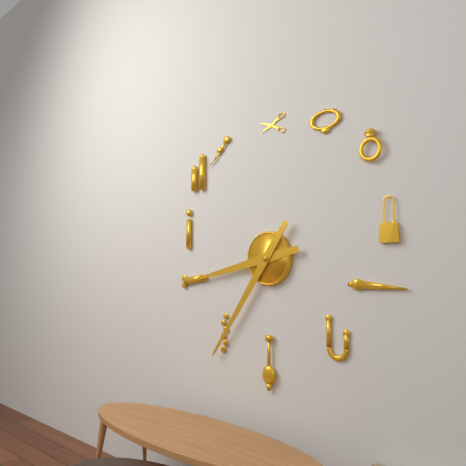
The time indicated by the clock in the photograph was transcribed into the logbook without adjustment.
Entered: 8:36
